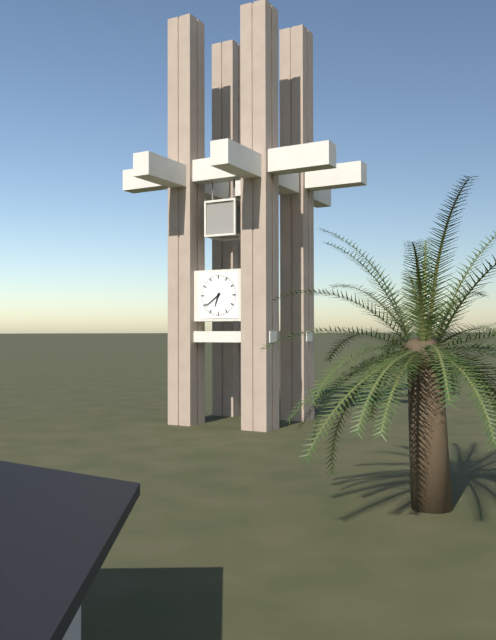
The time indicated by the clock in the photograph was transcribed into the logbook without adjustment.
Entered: 6:39
